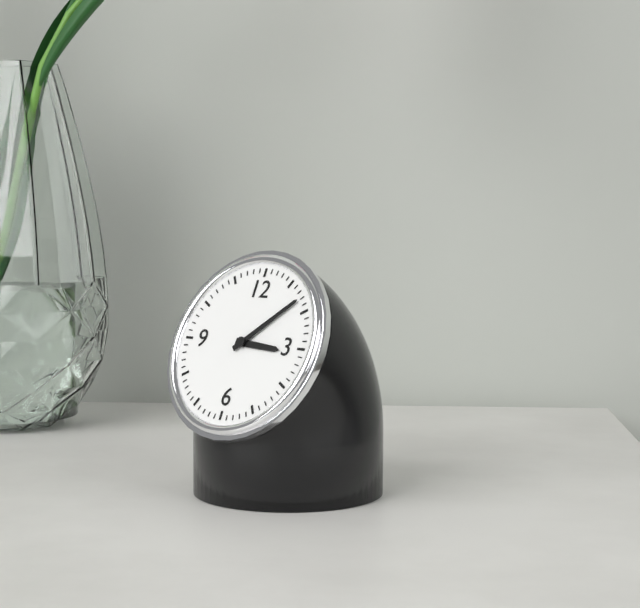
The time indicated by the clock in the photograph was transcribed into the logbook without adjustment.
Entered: 3:08
